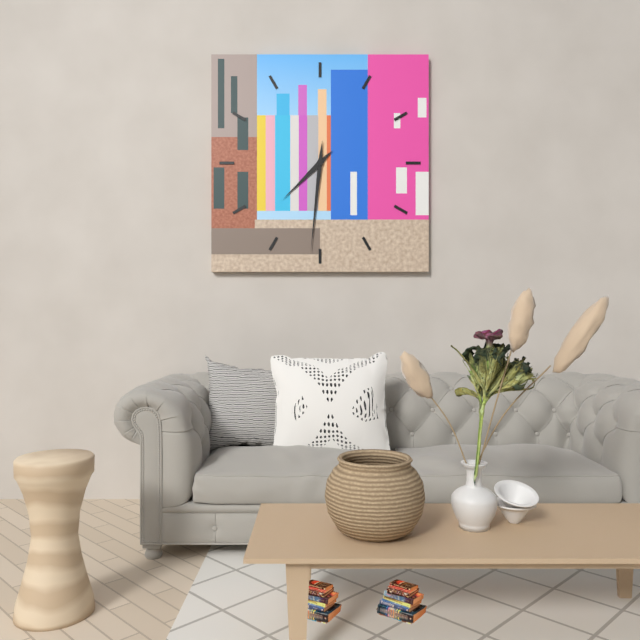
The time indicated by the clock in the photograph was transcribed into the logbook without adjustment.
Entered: 7:31
